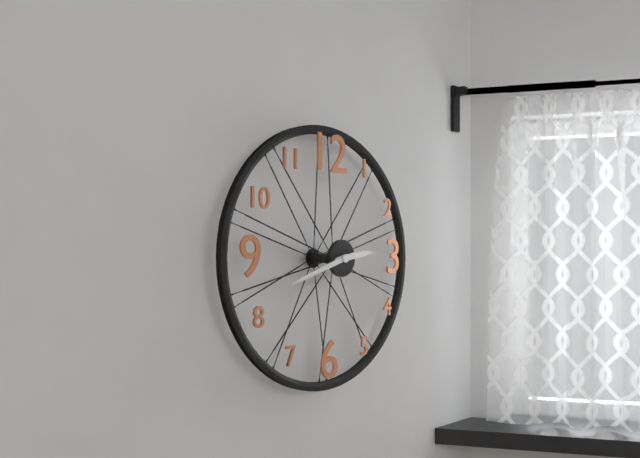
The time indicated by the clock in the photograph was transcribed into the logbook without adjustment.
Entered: 2:42
